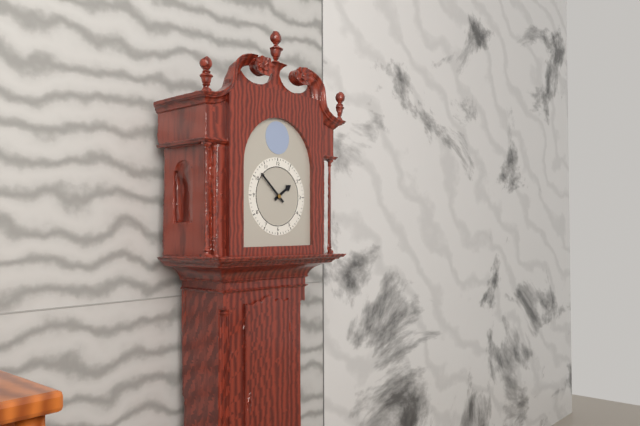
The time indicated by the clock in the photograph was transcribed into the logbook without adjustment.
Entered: 1:52
